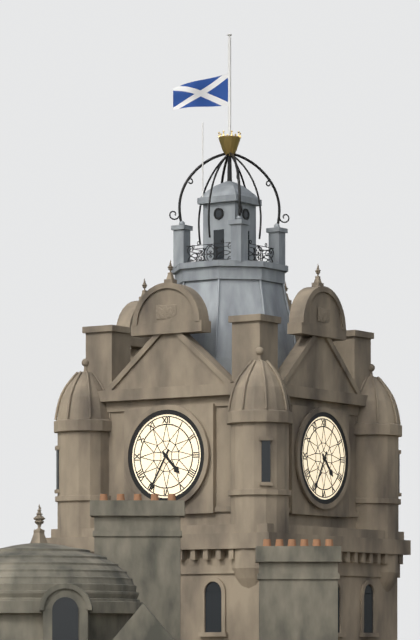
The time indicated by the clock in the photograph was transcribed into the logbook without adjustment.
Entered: 4:35
